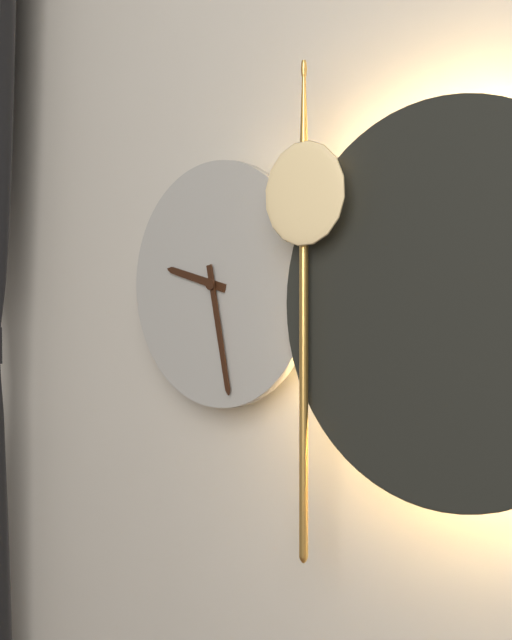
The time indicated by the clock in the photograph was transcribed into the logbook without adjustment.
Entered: 9:28
